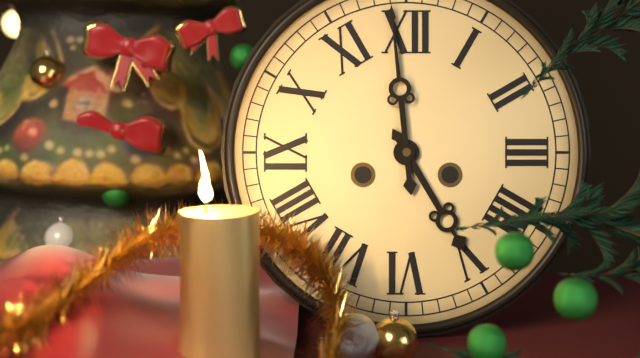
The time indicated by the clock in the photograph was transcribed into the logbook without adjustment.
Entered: 4:59
